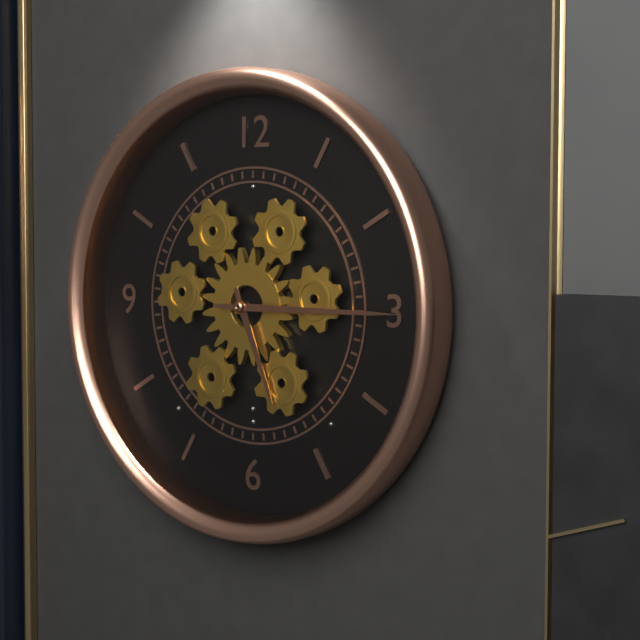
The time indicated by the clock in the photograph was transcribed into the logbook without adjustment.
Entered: 5:15
